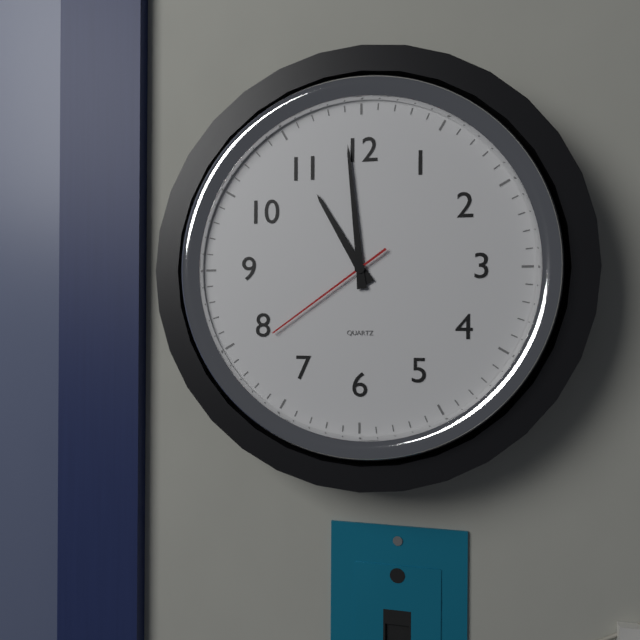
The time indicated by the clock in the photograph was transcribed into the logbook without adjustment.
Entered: 10:59:39
